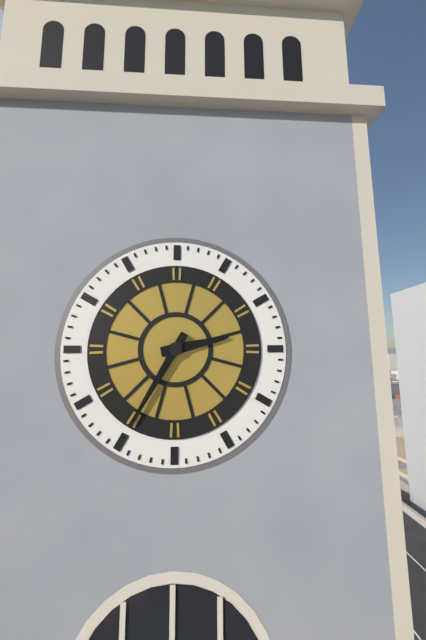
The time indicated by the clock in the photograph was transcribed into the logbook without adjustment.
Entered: 2:35
